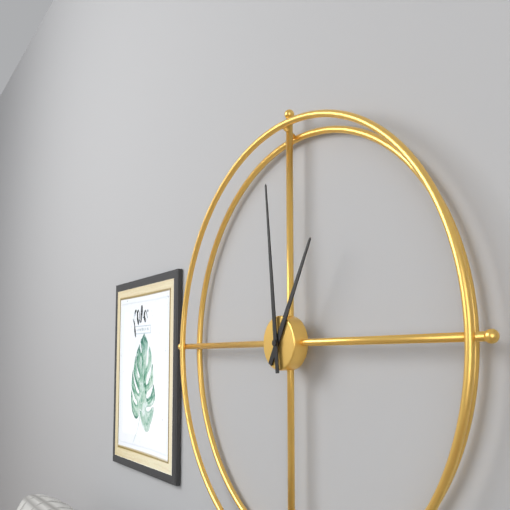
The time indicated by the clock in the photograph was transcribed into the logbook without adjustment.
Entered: 12:59
